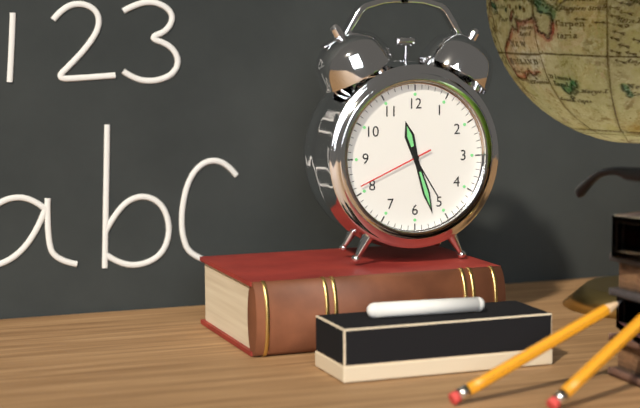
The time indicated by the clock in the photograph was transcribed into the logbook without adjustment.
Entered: 11:27:41
